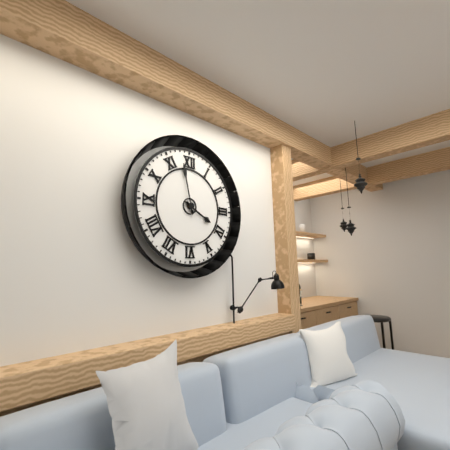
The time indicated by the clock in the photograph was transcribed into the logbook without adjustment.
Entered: 3:58
